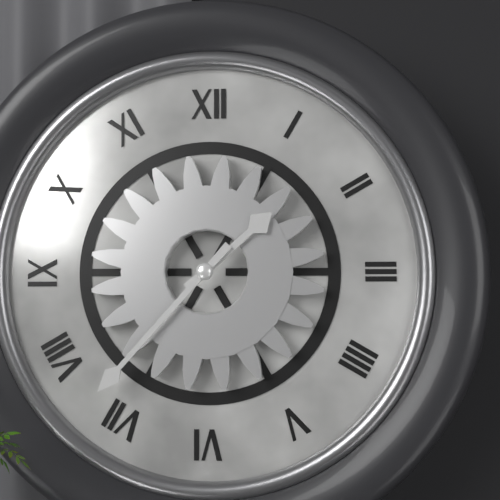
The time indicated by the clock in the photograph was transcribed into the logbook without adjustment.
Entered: 1:37
